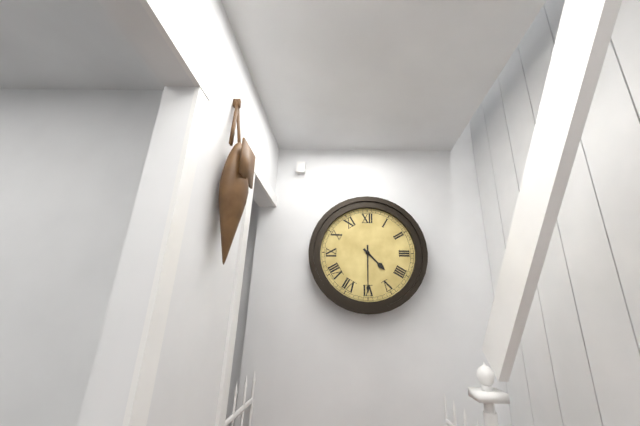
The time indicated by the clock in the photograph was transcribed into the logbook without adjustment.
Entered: 4:30
